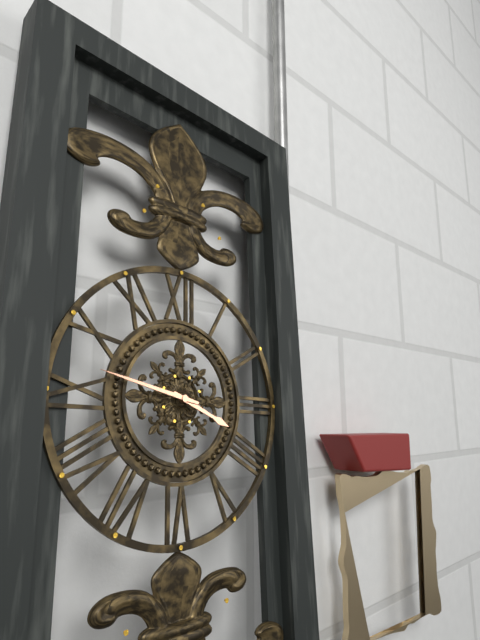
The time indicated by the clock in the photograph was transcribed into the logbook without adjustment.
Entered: 3:47
